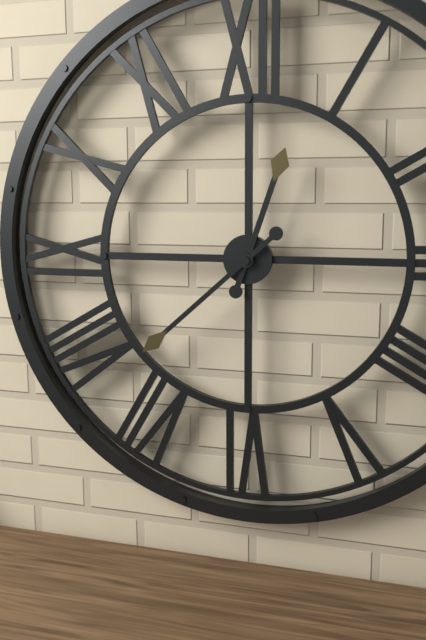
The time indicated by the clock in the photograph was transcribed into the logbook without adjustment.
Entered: 12:38
